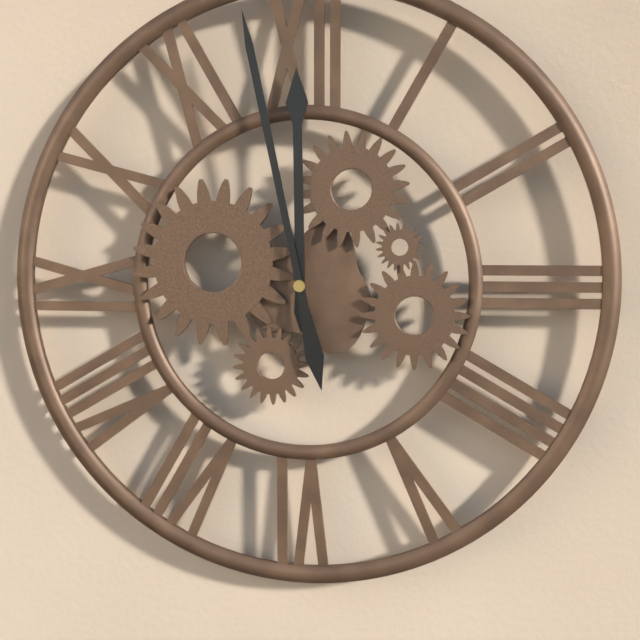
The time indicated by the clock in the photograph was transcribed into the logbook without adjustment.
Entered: 11:58
